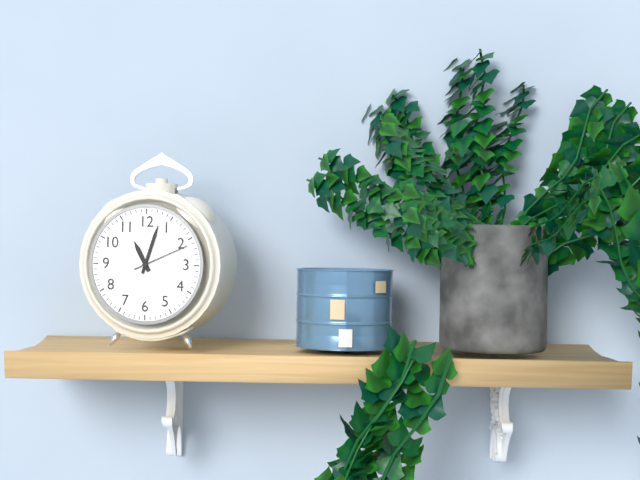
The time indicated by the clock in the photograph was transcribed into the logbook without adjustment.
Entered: 11:03:11
